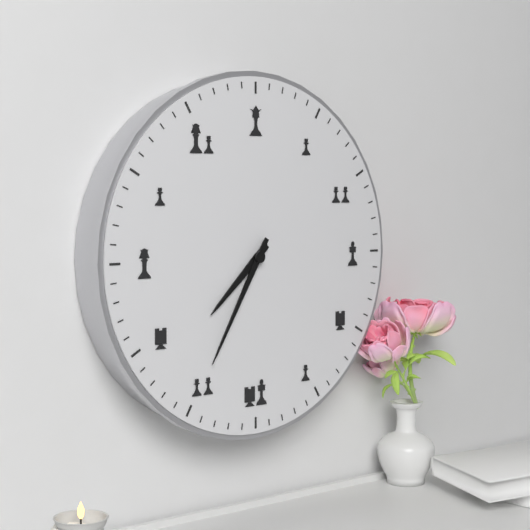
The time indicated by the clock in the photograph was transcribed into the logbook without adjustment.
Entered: 7:35
